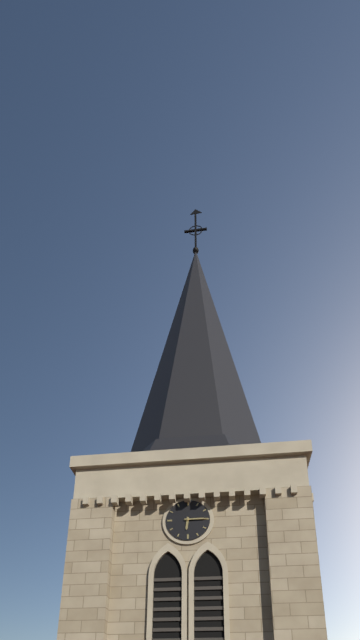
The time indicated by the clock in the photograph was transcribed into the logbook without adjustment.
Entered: 6:15
